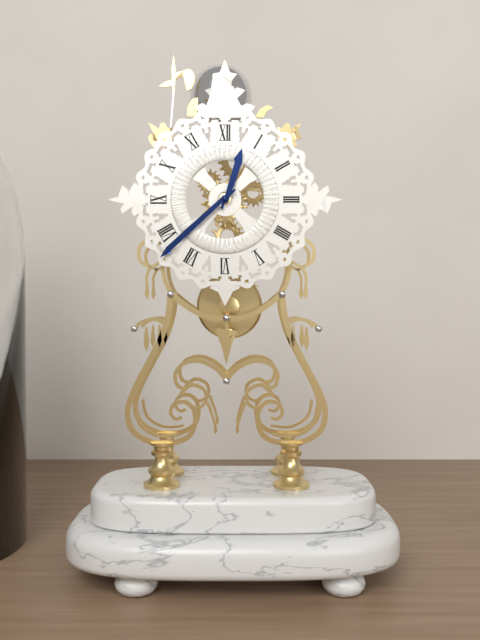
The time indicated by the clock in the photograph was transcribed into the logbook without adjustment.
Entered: 12:38
